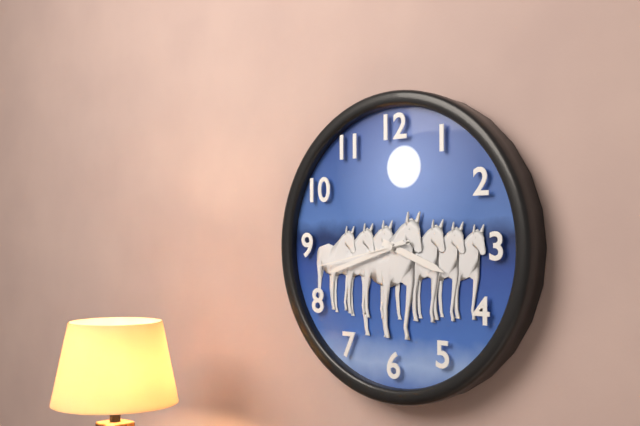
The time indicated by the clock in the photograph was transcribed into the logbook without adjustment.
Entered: 3:42:43
